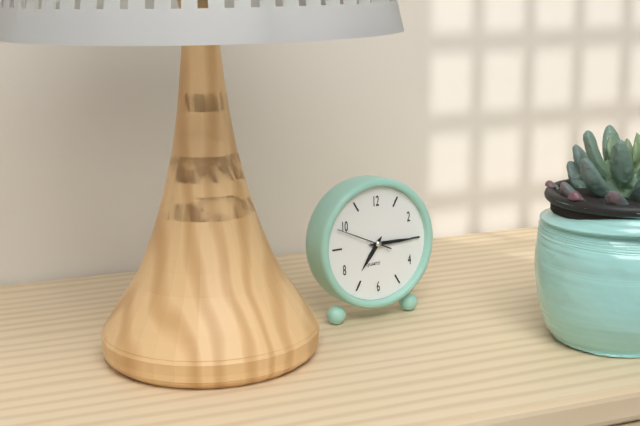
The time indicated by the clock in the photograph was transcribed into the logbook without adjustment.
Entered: 7:15
